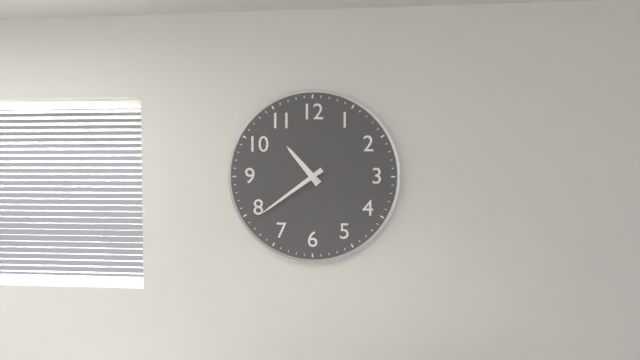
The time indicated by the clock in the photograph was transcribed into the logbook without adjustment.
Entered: 10:39
